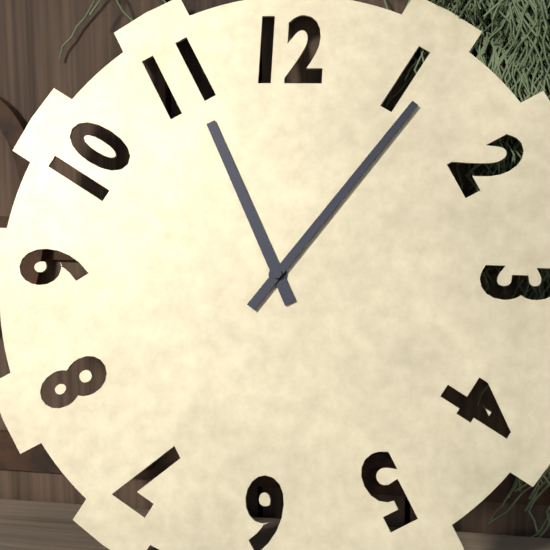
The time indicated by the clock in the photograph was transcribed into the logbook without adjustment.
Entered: 11:06
